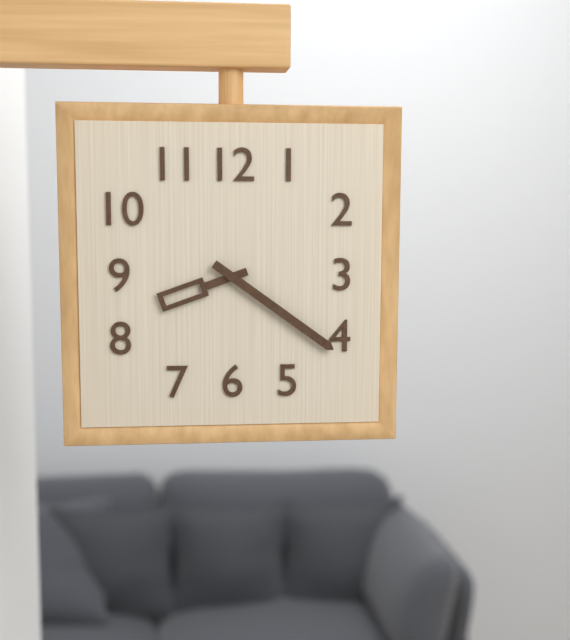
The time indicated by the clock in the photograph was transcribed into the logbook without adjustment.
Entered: 8:21
